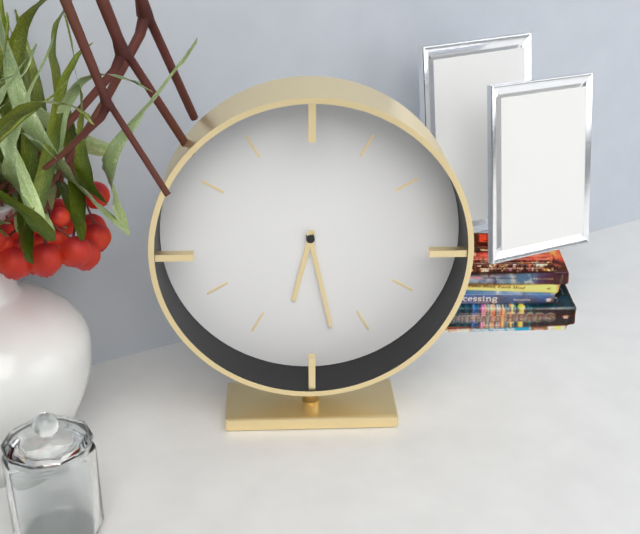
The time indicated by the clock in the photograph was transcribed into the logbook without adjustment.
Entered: 6:28
